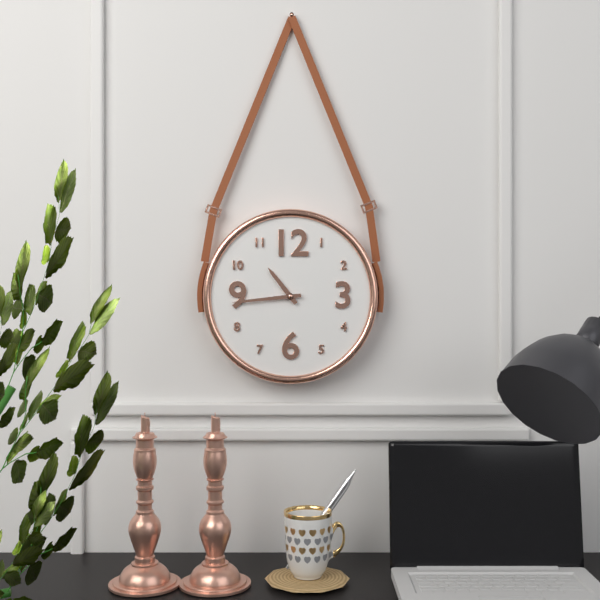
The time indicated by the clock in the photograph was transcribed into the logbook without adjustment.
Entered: 10:44
